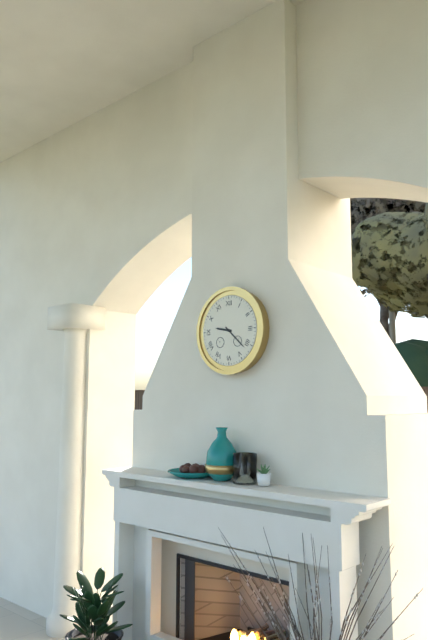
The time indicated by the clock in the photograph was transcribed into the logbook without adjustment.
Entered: 9:22
